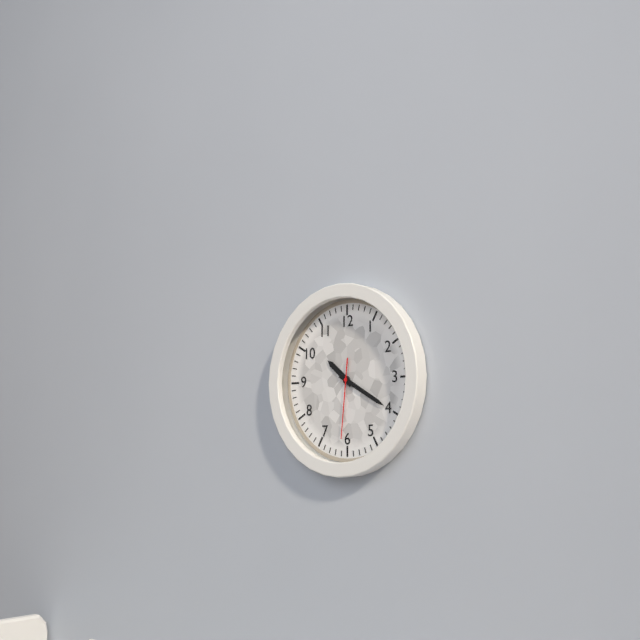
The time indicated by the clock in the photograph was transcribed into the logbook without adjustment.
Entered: 10:20:31
